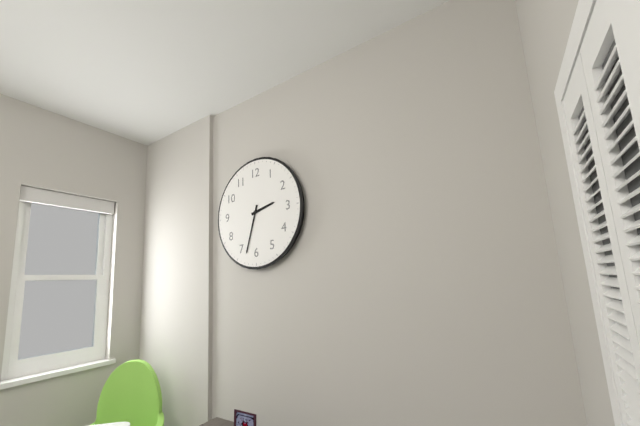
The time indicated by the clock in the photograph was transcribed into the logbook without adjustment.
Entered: 2:33
